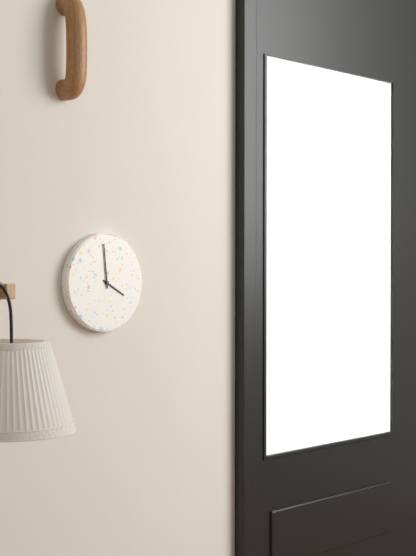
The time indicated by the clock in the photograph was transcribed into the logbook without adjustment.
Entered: 3:59
